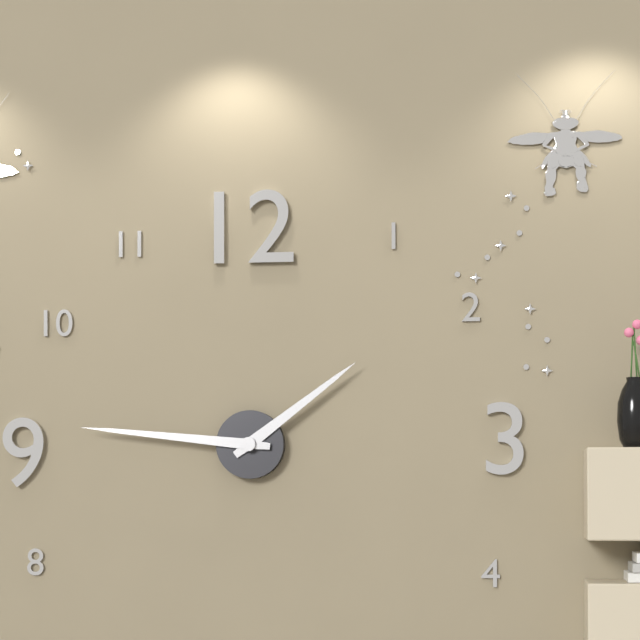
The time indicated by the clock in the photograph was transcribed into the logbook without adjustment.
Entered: 1:46
